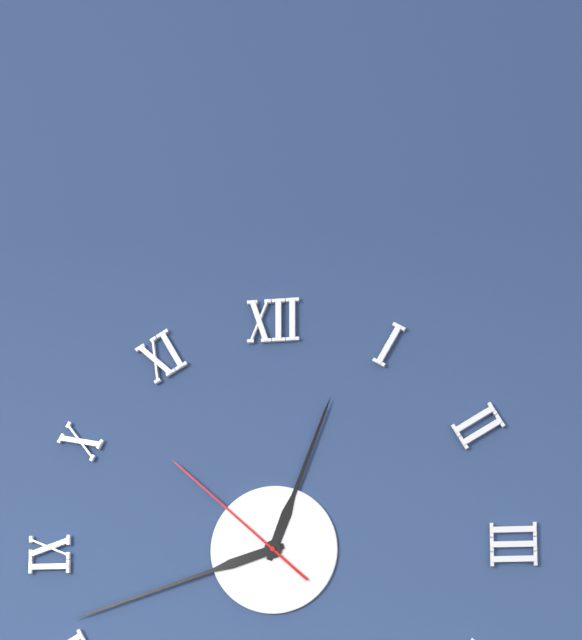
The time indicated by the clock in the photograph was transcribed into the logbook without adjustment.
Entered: 12:42:52
